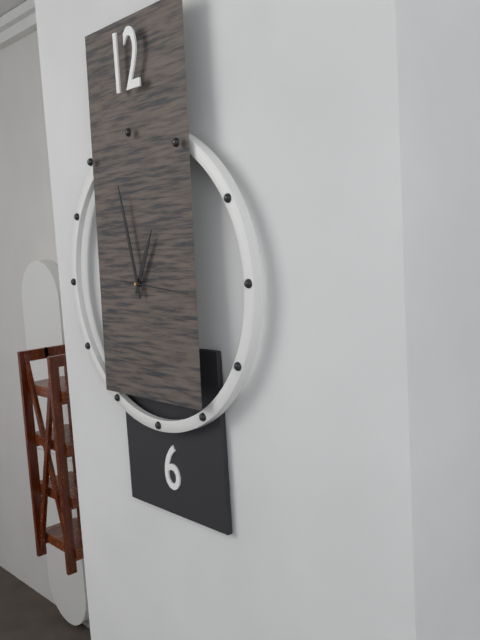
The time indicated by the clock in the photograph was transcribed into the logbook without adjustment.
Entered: 12:58:16
